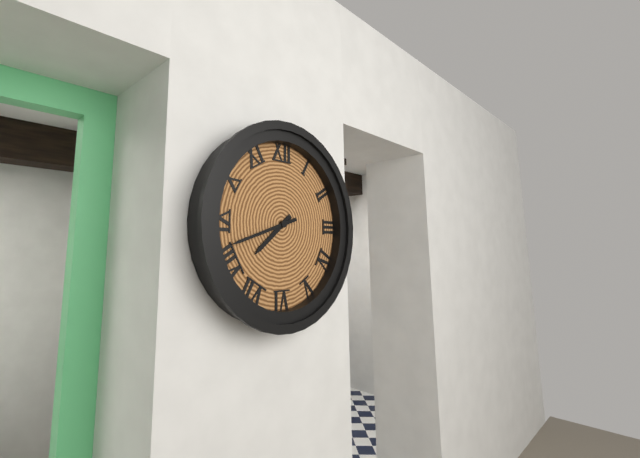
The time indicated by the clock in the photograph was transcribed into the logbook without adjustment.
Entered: 7:42
